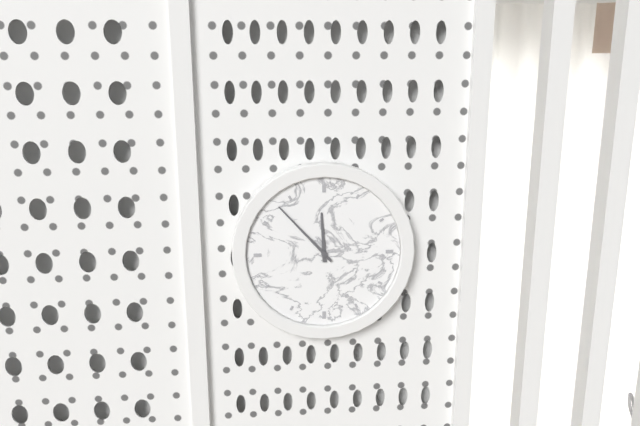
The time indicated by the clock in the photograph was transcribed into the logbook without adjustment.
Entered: 11:53
